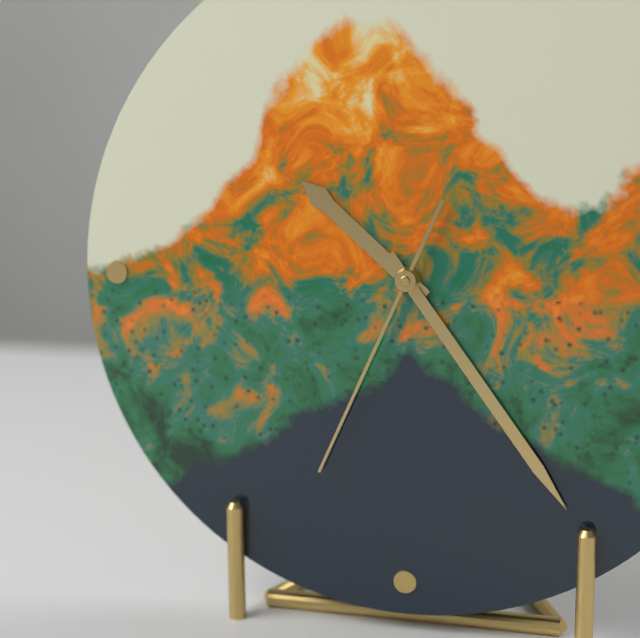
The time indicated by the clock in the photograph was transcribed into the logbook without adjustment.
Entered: 10:24:34
